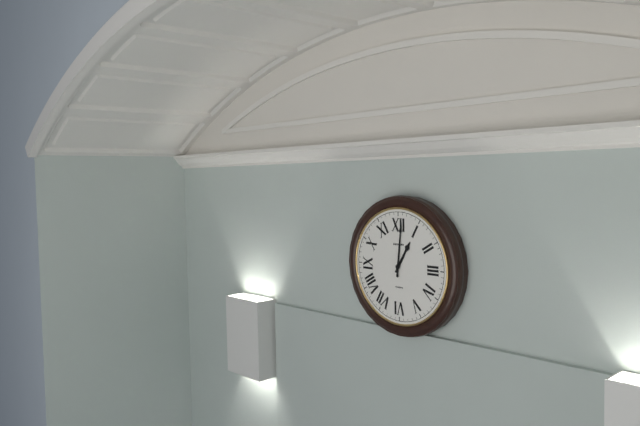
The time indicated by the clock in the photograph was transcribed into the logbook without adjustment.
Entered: 1:01
